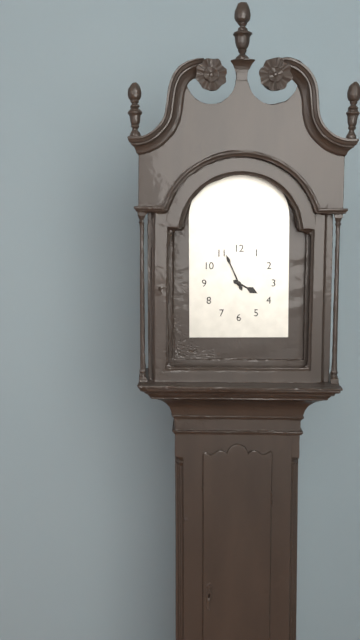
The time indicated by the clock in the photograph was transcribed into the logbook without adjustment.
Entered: 3:56
